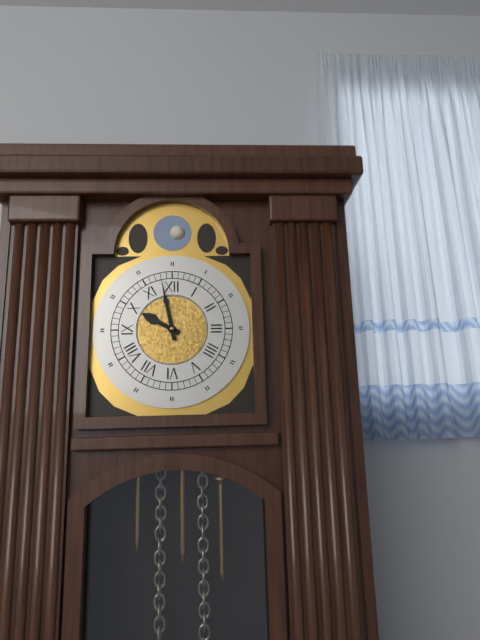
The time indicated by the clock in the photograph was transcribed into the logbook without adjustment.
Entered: 9:58
